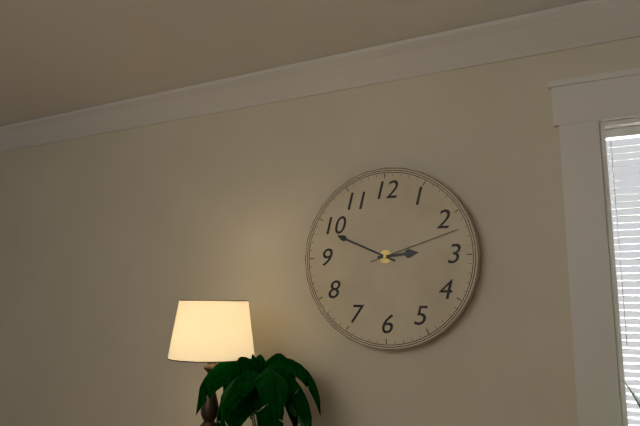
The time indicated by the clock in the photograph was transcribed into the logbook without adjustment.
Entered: 2:49:12
